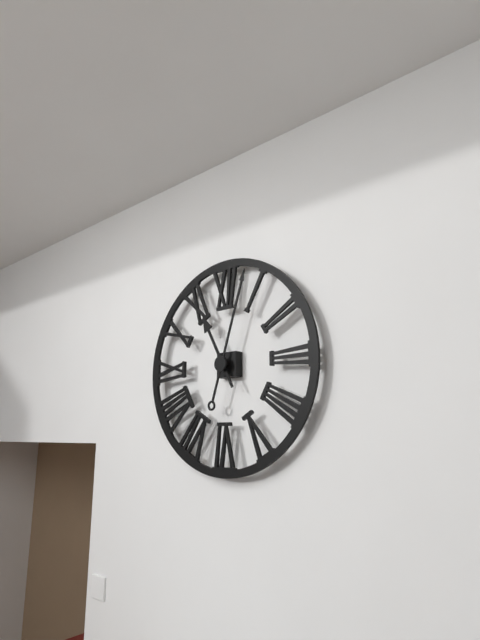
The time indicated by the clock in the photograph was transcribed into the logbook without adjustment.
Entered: 11:03
